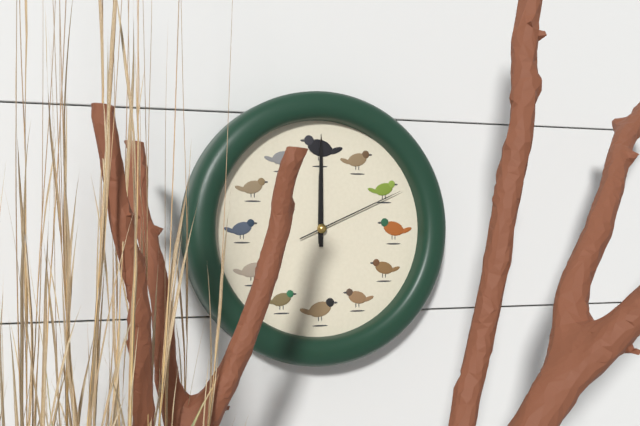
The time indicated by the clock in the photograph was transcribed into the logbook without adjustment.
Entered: 12:00:11
